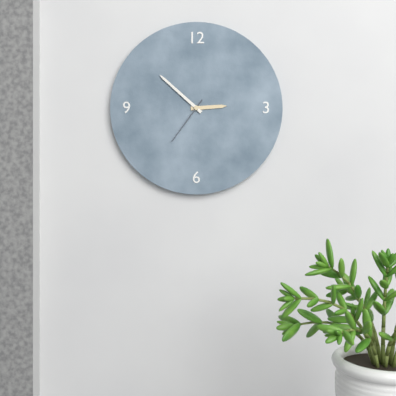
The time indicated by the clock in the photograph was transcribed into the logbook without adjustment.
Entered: 2:52:36
